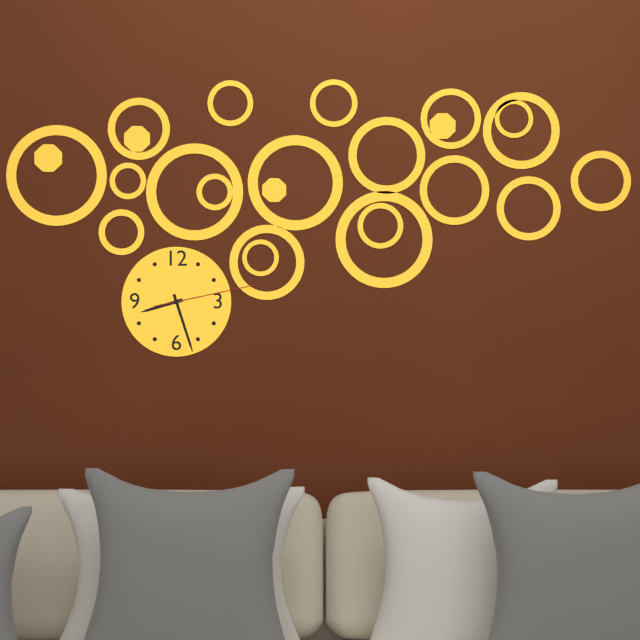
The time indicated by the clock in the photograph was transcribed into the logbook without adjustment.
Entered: 8:27:13
